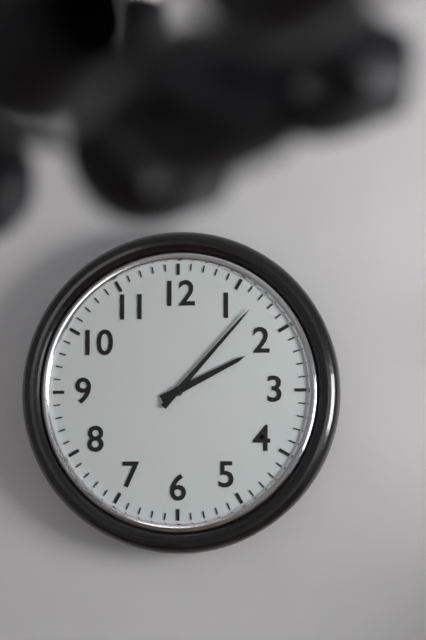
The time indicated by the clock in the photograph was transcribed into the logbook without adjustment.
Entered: 2:07
